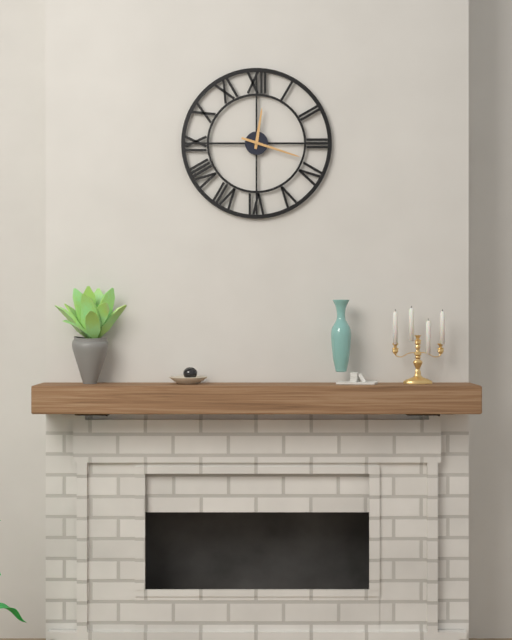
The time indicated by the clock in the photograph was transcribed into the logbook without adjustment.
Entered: 12:18
